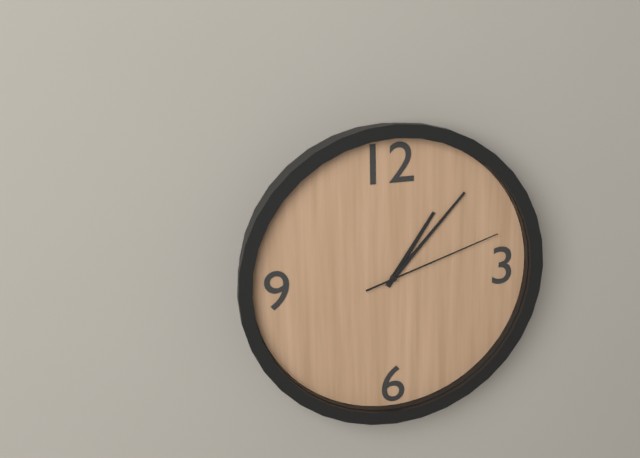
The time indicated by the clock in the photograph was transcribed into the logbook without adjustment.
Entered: 1:07:12
